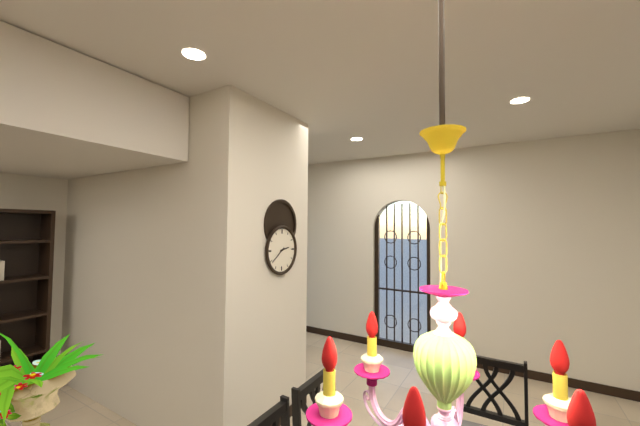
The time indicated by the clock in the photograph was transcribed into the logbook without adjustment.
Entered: 2:39
